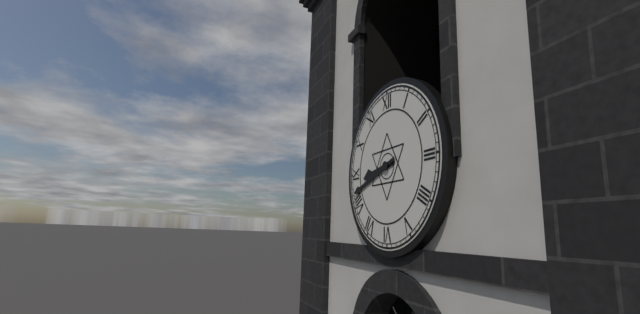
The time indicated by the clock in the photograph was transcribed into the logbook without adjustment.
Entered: 8:42
